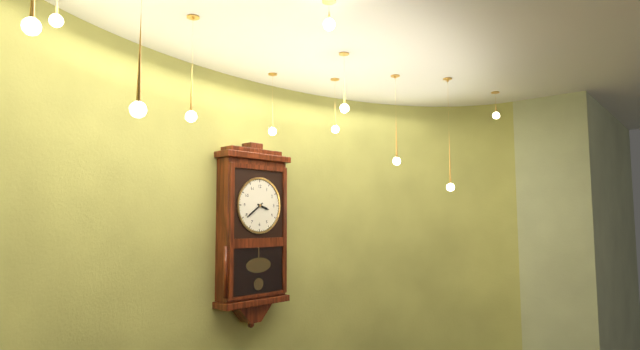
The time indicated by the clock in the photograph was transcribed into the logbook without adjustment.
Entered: 3:39
